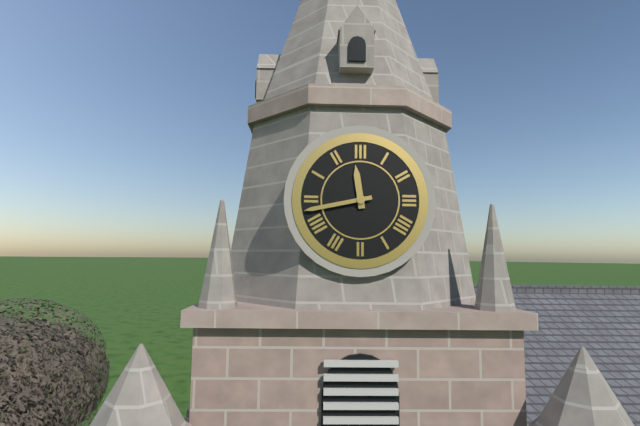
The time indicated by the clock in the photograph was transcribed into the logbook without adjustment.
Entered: 11:43
